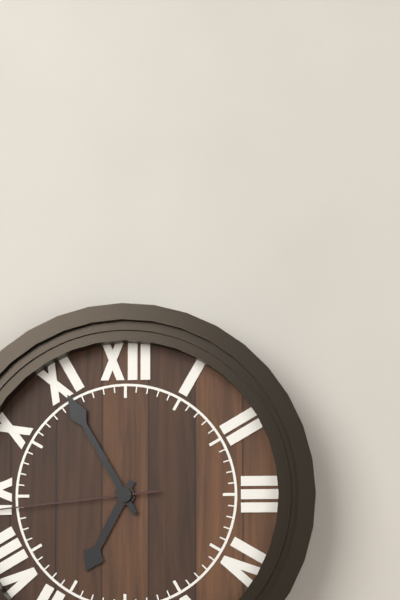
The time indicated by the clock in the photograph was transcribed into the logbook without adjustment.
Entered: 6:55
